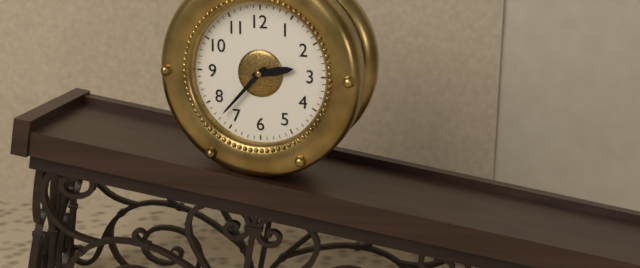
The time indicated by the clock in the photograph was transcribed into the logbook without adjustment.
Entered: 2:37
